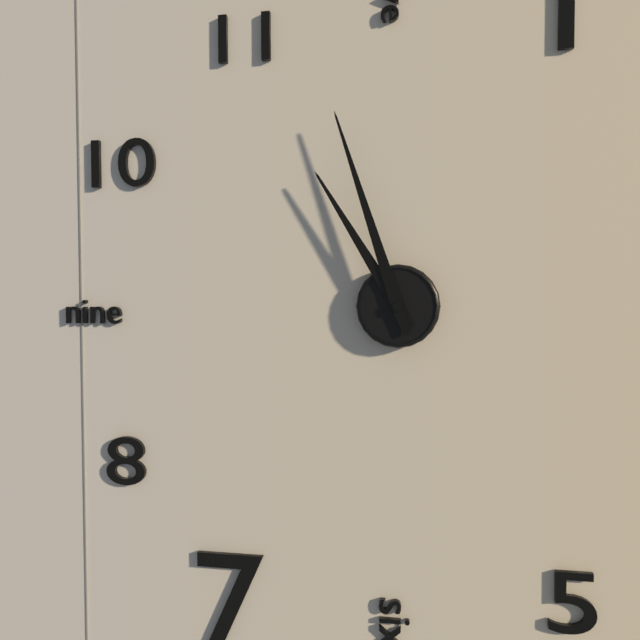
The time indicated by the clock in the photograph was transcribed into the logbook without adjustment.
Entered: 10:57
